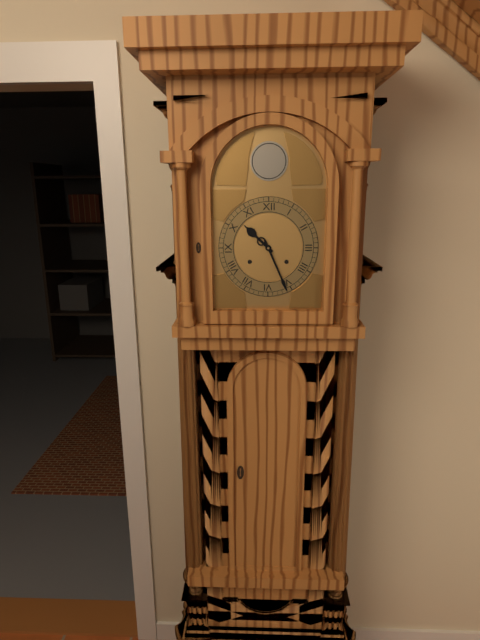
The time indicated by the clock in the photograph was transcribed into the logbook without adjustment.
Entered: 10:26
